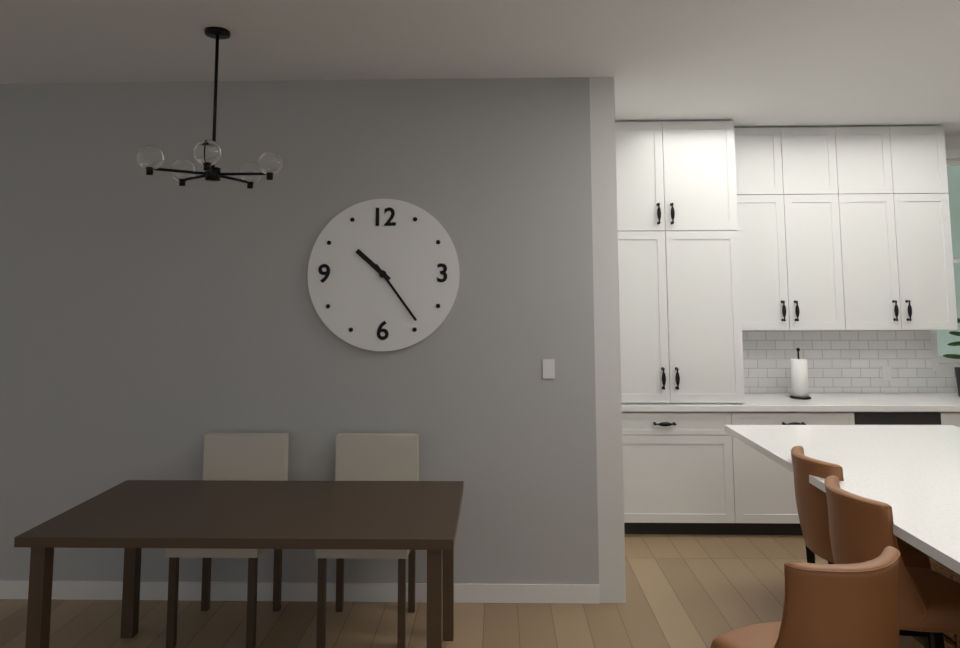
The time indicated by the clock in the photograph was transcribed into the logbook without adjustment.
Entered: 10:24
